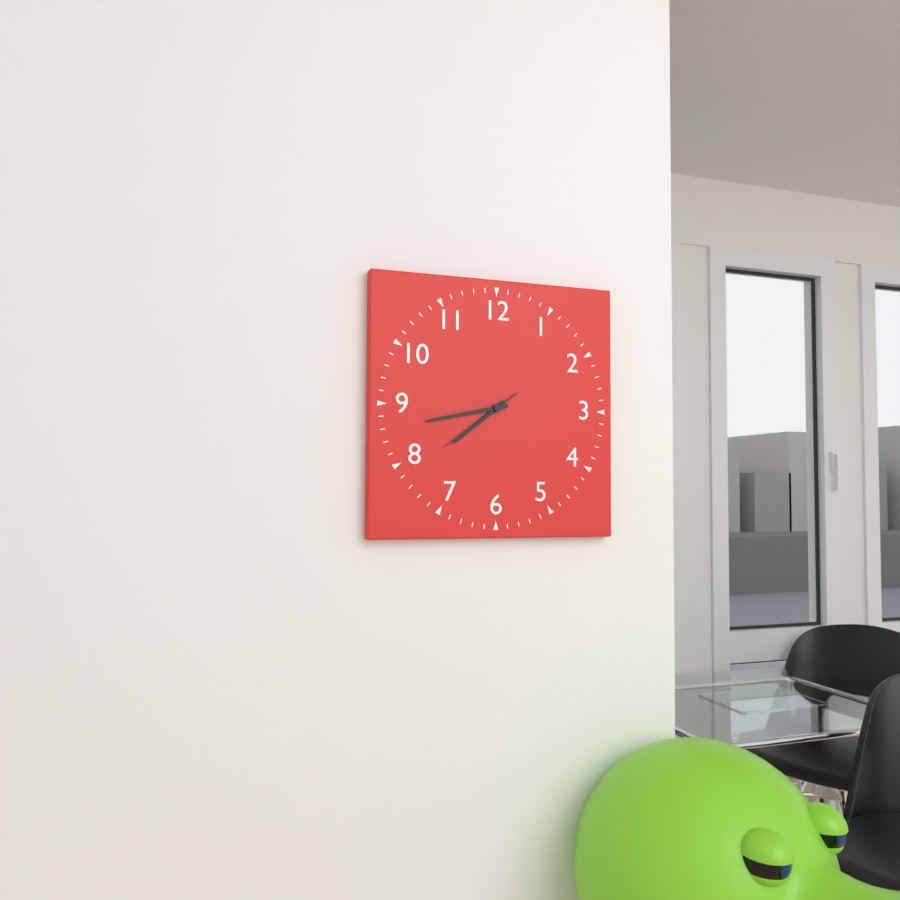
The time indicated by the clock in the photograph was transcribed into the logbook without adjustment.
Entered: 7:43:39
